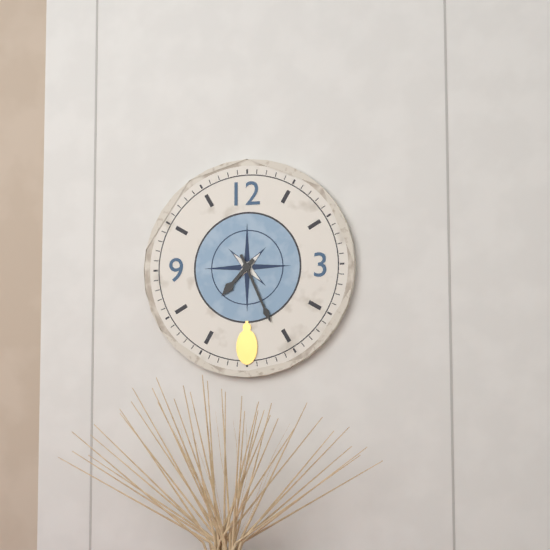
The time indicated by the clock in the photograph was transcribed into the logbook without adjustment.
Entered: 7:26
